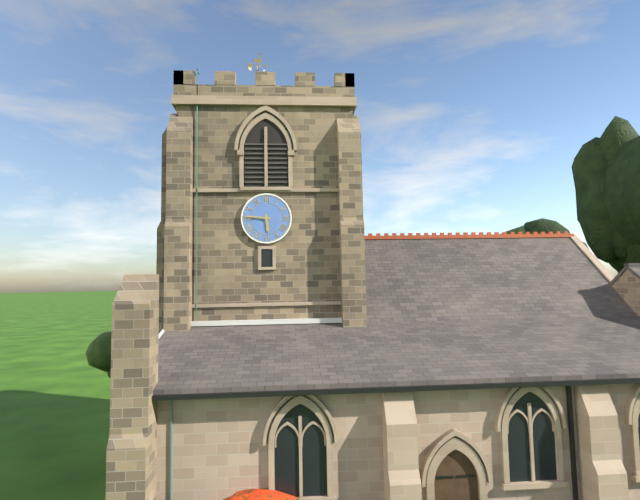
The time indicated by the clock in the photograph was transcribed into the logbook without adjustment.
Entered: 5:46
